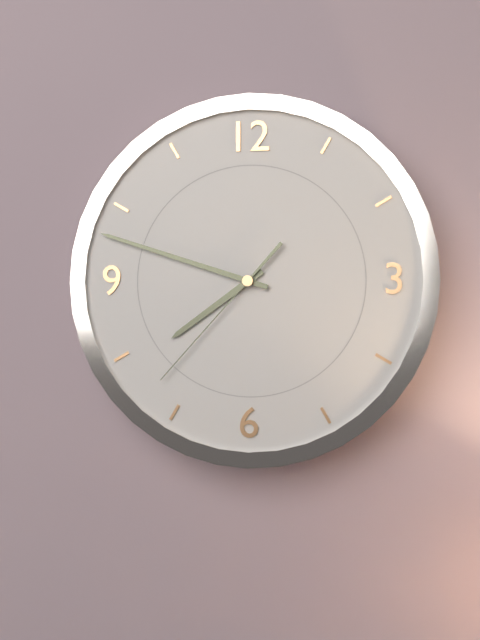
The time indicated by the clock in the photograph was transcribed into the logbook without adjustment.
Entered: 7:48:37
